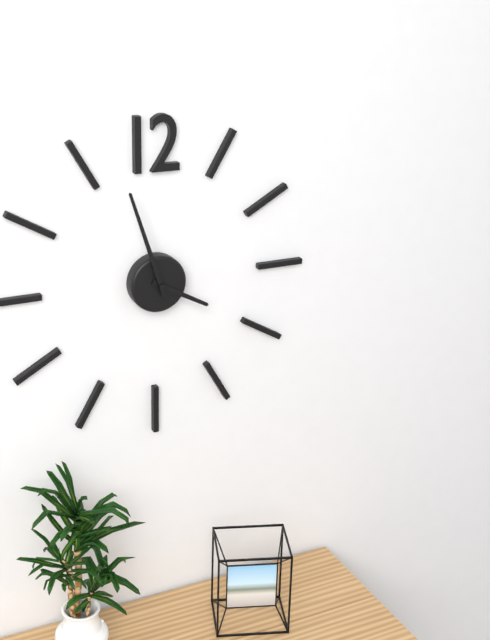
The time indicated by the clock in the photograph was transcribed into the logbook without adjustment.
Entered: 3:57
